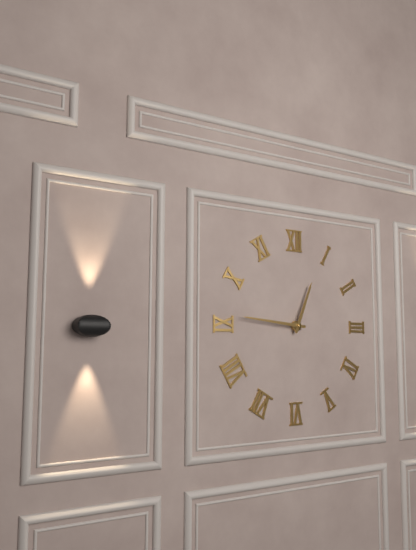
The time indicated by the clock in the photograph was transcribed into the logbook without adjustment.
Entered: 12:46
